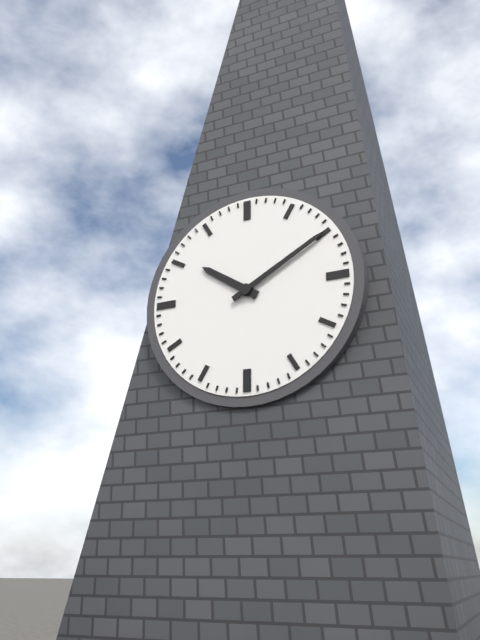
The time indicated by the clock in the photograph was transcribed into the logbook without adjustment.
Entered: 10:10
